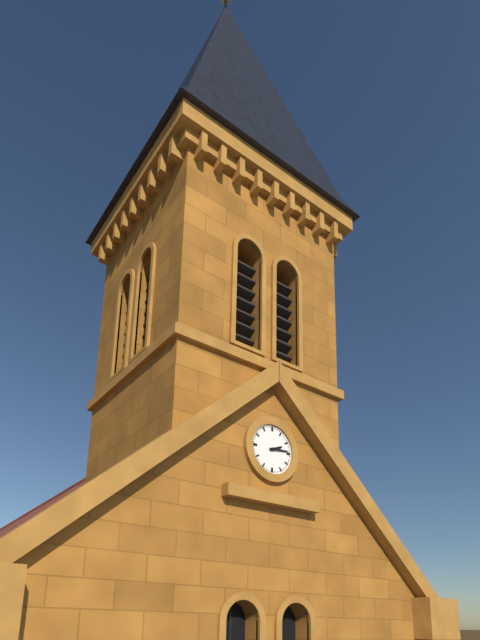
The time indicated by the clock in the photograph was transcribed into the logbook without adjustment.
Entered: 2:14
